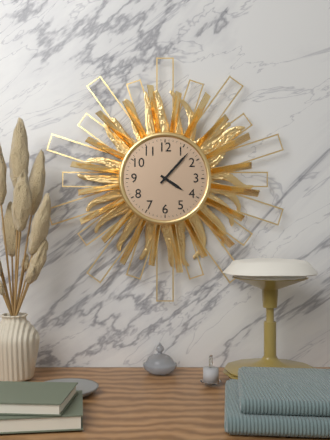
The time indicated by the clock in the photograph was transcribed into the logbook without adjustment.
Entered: 4:07
